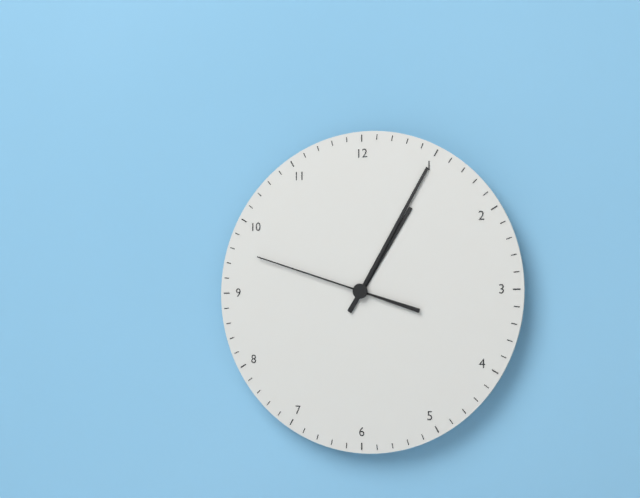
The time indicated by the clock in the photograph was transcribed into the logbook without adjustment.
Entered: 1:05:48
